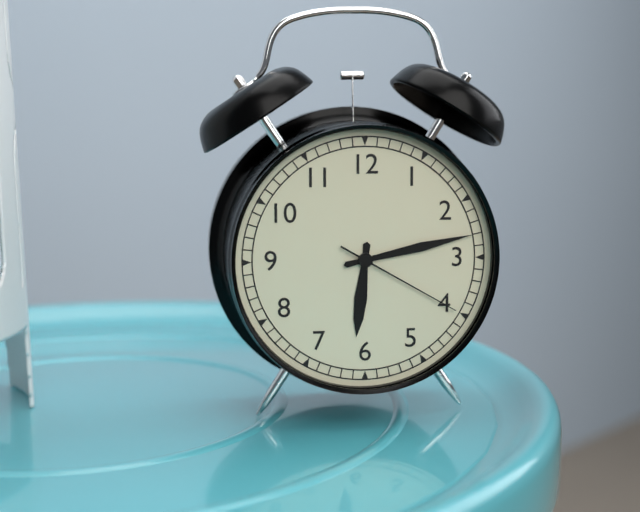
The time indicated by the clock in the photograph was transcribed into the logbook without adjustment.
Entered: 6:13:20
